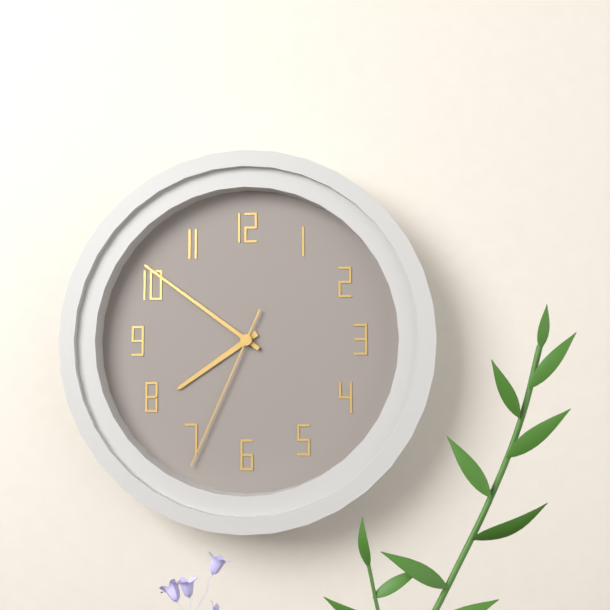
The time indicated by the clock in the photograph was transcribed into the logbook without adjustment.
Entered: 7:51:34
